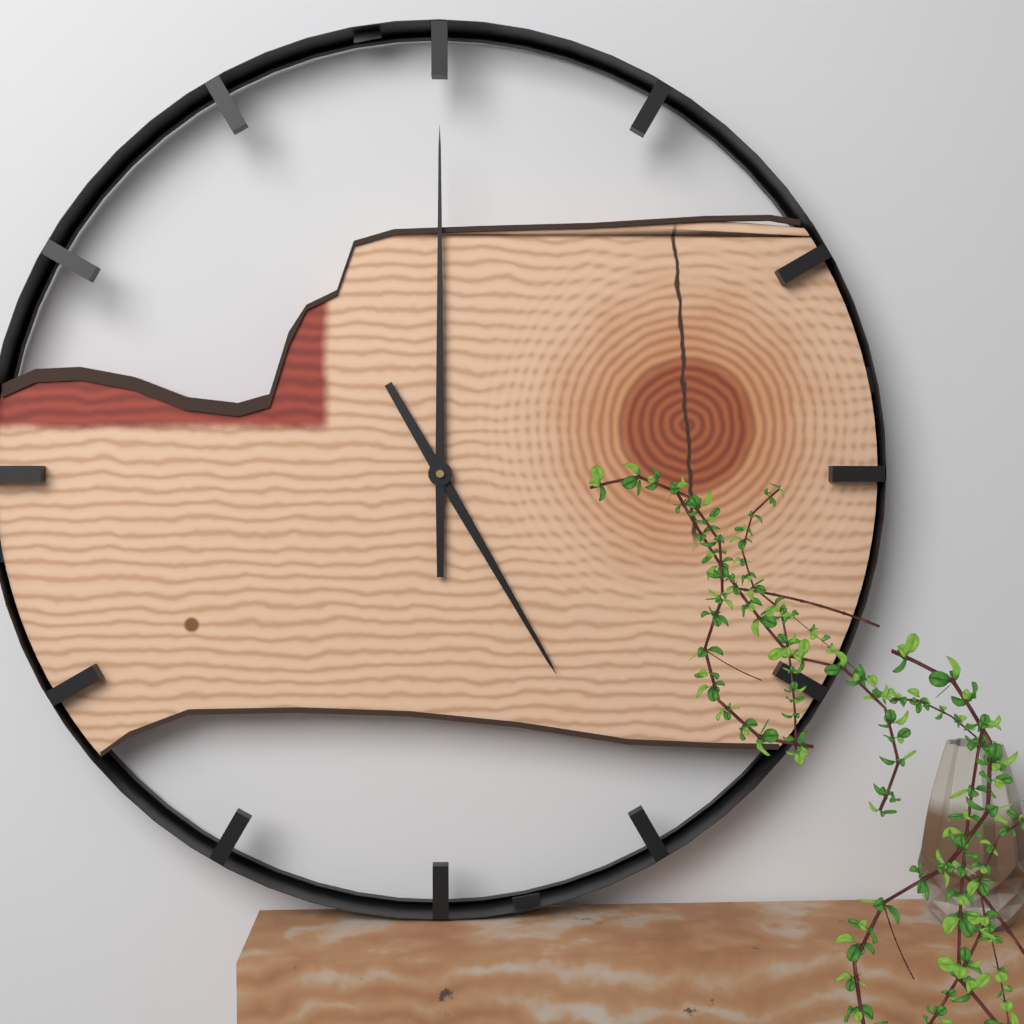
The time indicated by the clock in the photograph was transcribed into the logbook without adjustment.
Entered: 5:00
